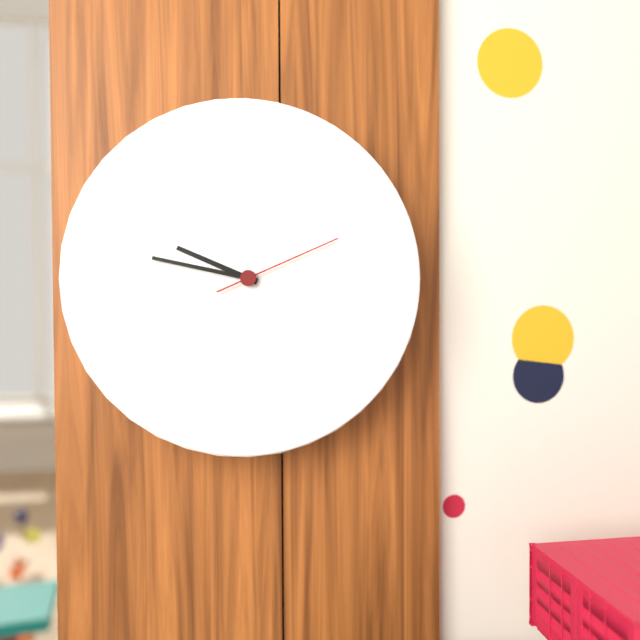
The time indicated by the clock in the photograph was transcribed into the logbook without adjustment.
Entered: 9:47:11
